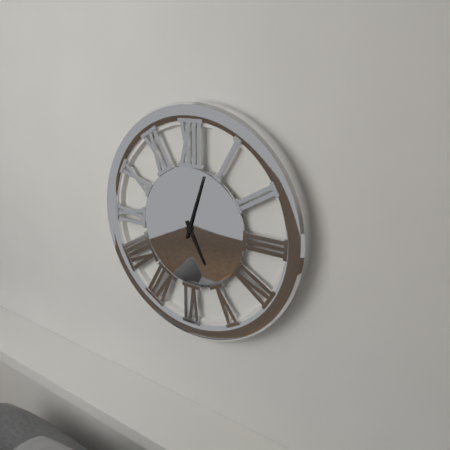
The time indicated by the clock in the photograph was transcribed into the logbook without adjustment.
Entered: 5:03
